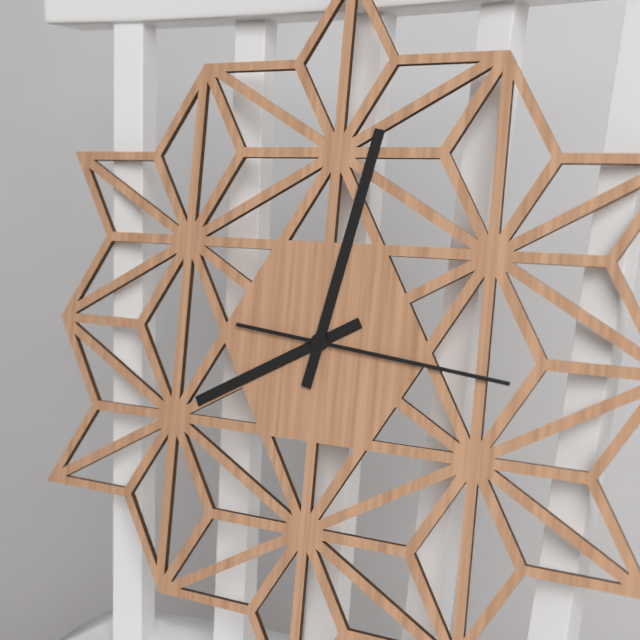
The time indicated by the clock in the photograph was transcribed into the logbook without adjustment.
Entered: 8:02:16
